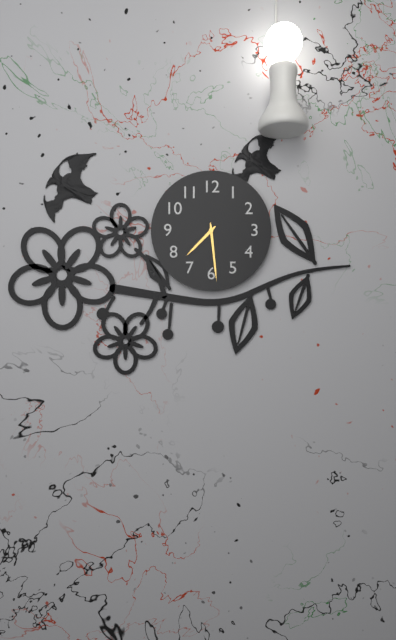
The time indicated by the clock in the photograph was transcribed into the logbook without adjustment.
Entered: 7:29
